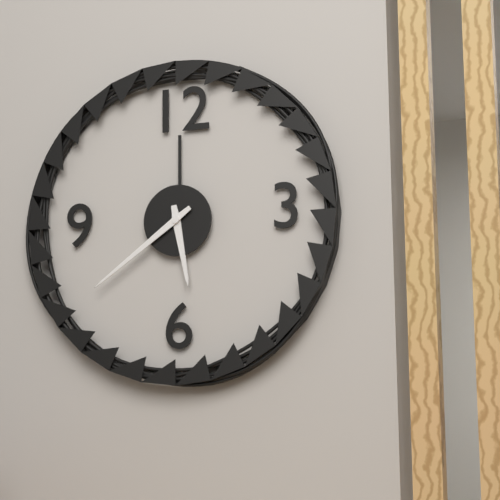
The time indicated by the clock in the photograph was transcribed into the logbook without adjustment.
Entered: 5:39
